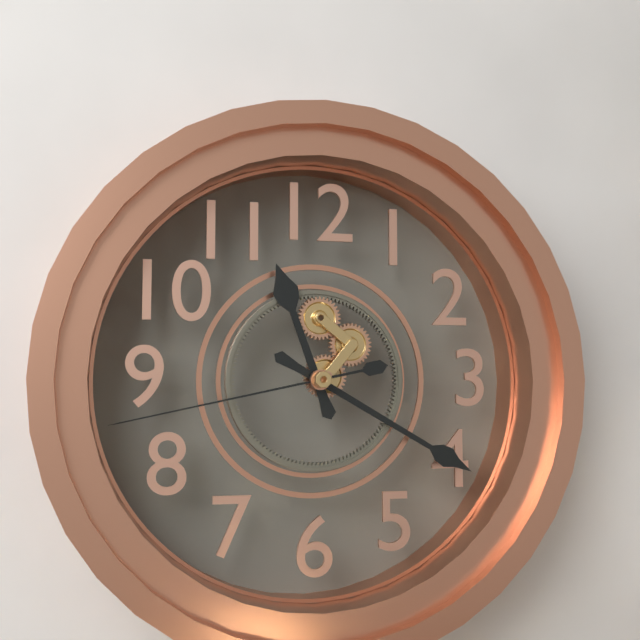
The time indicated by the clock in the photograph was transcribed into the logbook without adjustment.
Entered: 11:20:43
